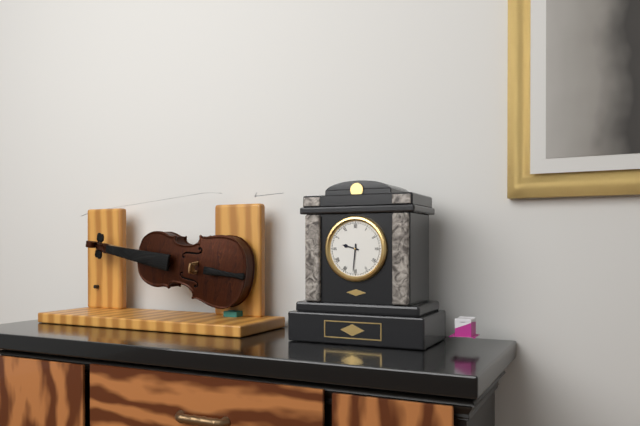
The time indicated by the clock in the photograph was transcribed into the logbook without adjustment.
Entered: 9:31
